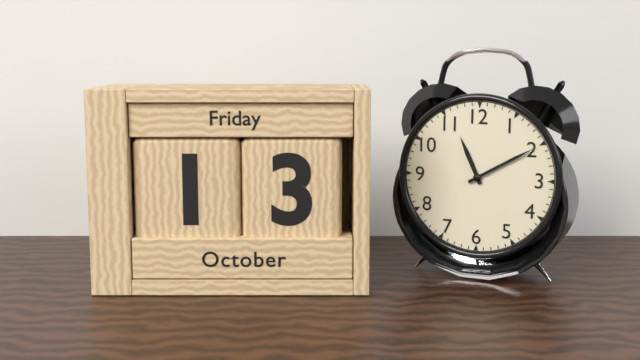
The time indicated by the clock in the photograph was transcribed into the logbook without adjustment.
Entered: 11:10
